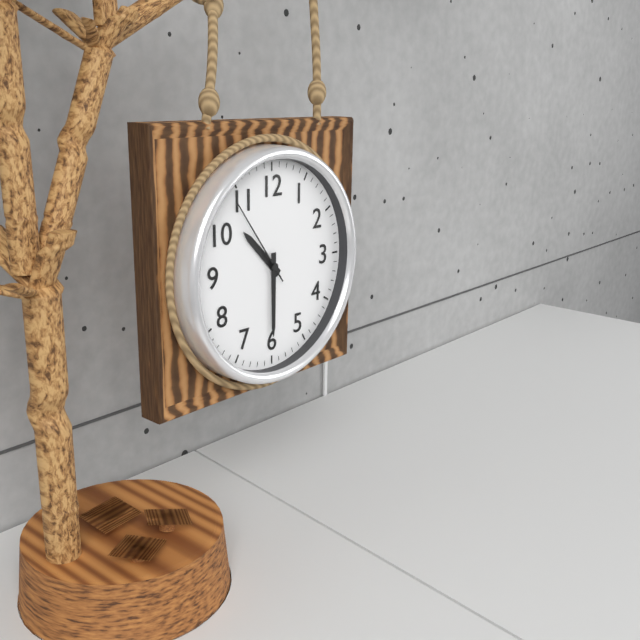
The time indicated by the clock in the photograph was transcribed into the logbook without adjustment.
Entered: 10:30:54
